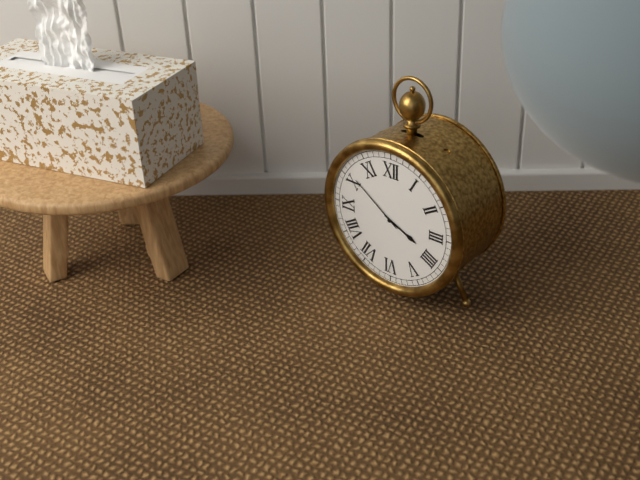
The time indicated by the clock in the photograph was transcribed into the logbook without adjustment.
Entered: 3:51
